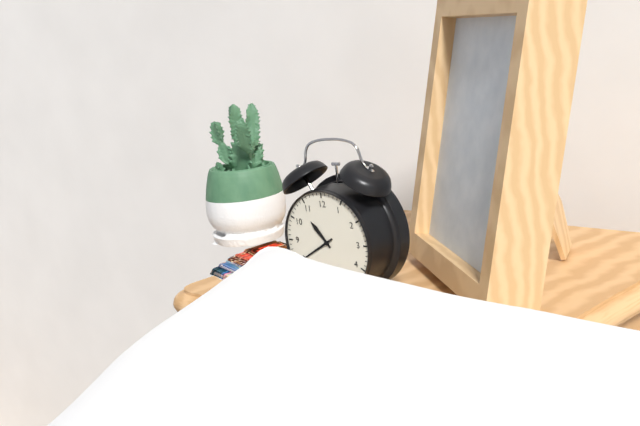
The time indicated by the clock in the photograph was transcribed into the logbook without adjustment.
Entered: 10:40
